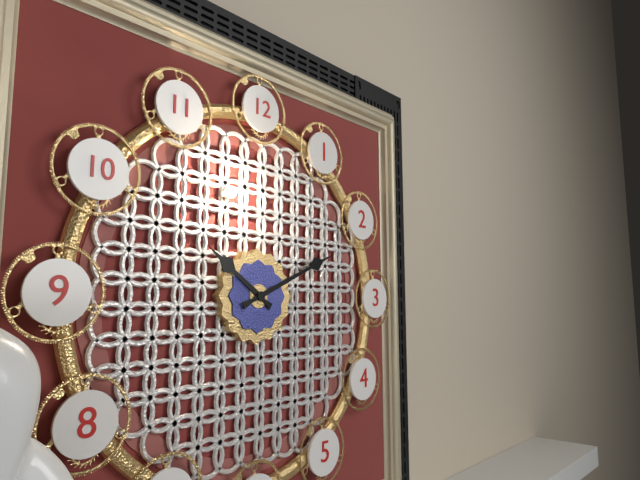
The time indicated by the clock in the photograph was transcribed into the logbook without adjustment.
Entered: 10:11
